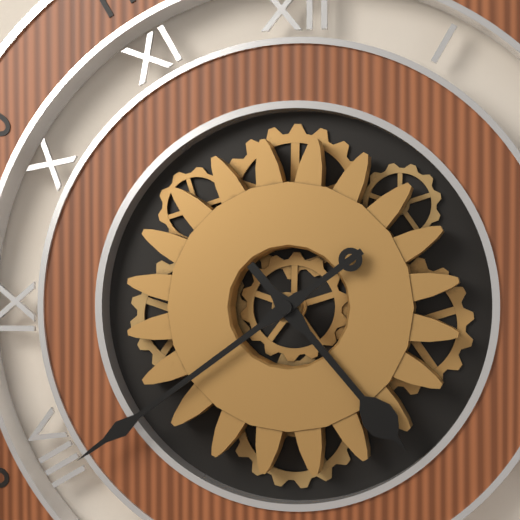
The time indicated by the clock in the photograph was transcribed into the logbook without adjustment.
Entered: 4:39
